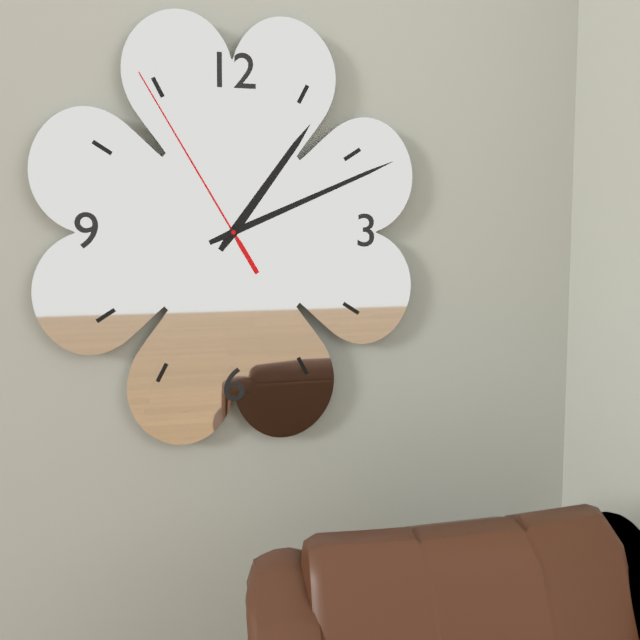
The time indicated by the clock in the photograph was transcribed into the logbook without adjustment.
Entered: 1:11:55
